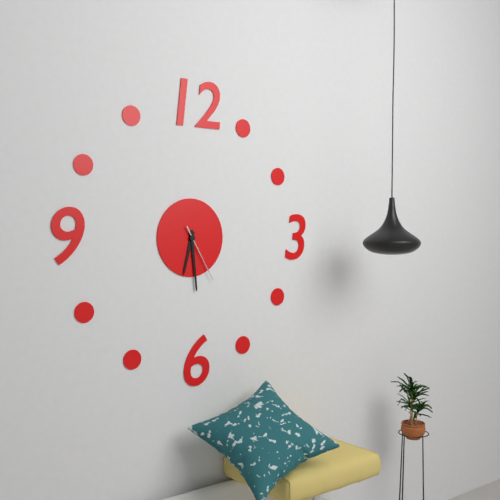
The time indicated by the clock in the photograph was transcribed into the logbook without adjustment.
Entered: 6:29:25
